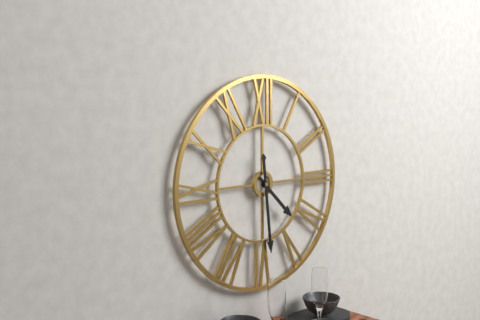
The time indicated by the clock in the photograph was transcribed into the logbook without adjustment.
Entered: 4:29
